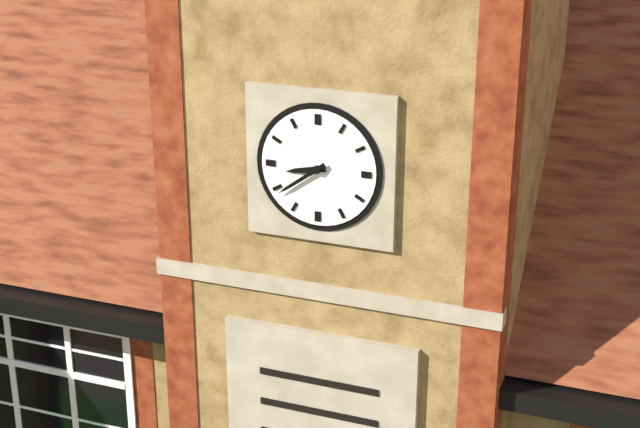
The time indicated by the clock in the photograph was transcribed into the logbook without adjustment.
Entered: 8:39
